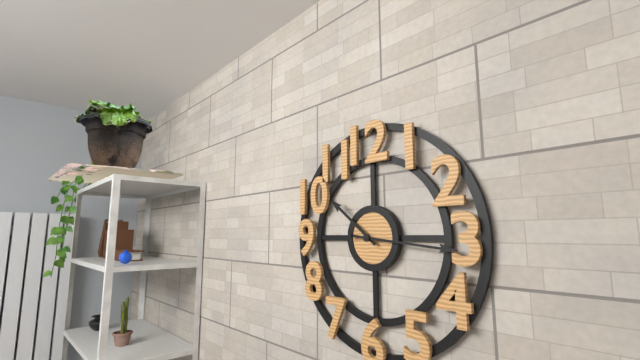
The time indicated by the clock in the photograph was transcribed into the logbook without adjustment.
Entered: 10:16
